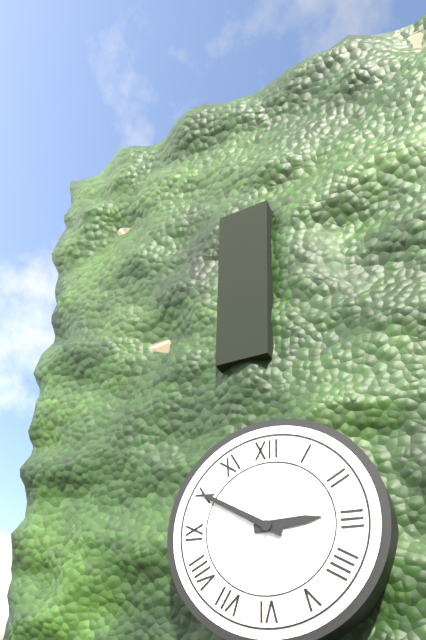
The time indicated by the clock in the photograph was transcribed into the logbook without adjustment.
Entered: 2:50
